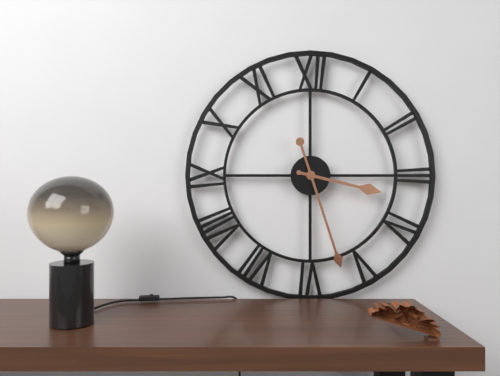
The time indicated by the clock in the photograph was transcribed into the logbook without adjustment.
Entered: 3:27
